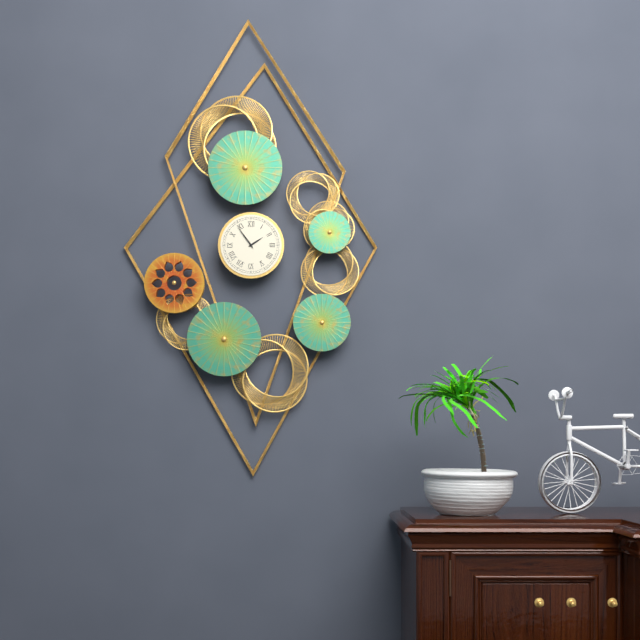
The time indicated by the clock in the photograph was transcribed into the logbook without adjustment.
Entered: 1:54
